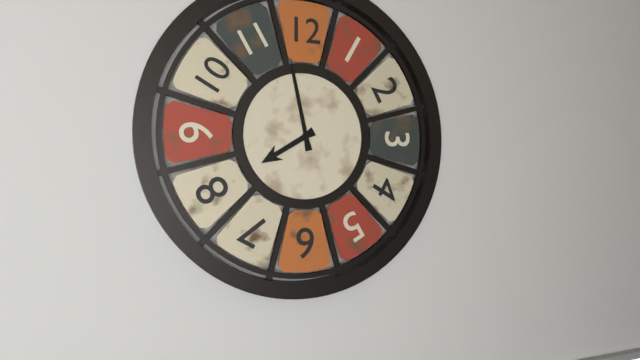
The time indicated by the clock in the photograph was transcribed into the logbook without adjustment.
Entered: 7:58
